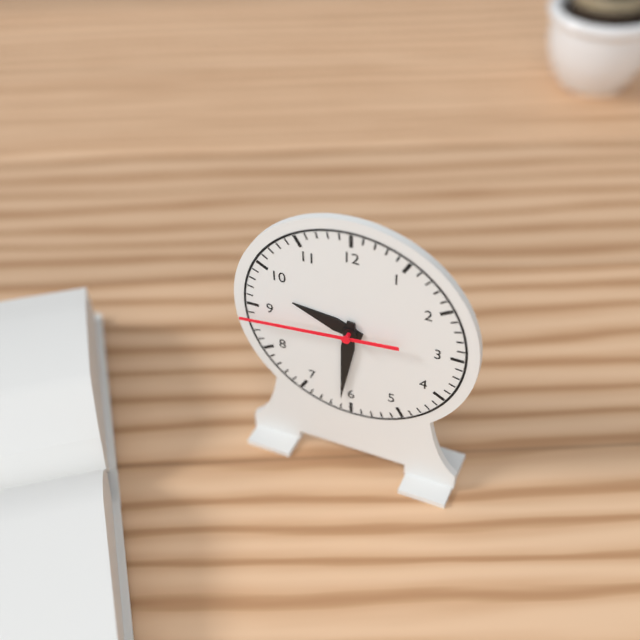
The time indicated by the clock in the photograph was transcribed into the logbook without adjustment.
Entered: 9:31:44
